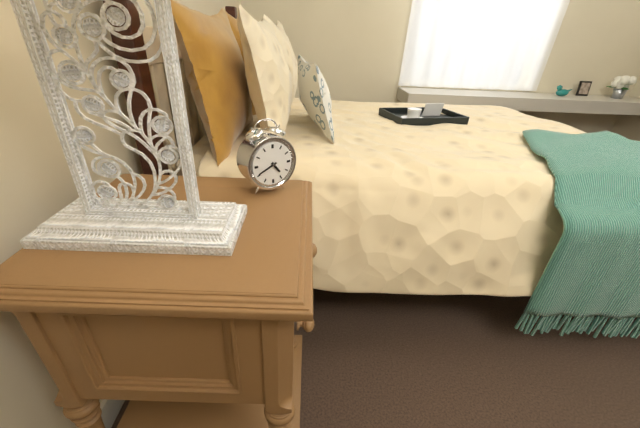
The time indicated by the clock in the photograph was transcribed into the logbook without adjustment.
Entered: 4:41
